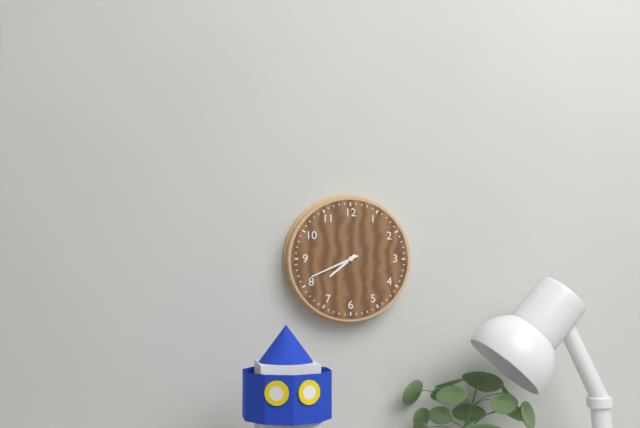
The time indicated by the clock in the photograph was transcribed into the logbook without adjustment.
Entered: 7:41
